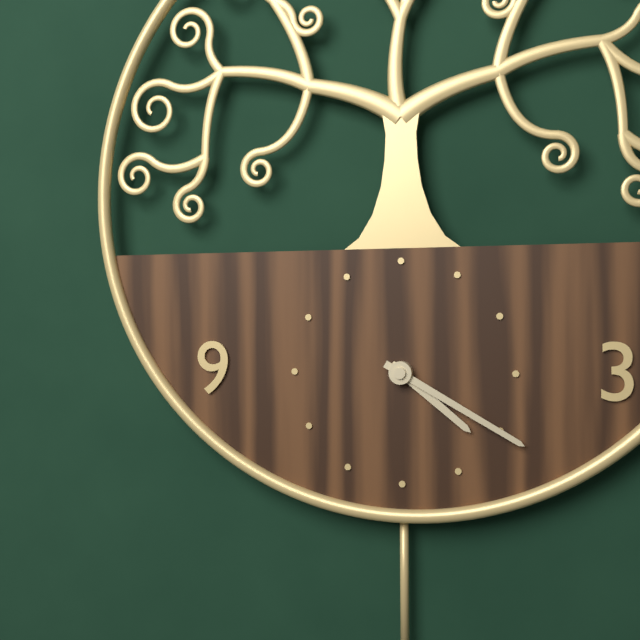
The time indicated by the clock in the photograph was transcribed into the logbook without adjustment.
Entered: 4:20
